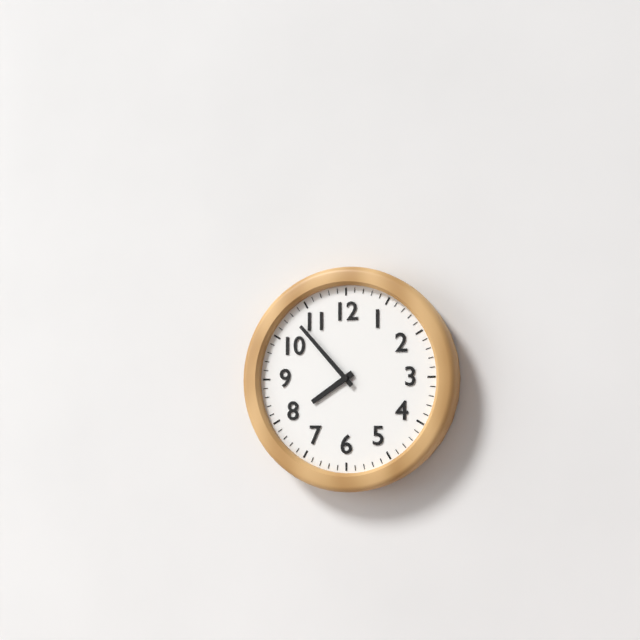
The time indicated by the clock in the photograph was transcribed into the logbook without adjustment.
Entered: 7:53
